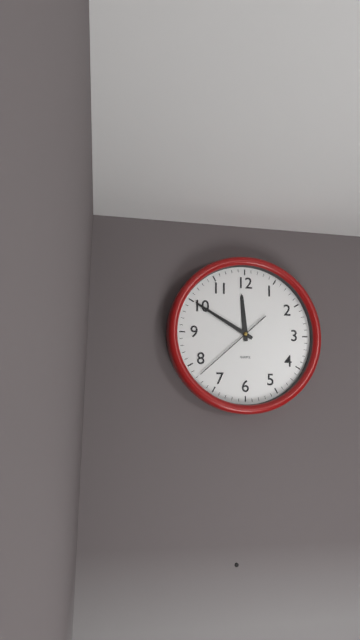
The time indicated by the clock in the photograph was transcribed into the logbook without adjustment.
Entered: 11:50:38
